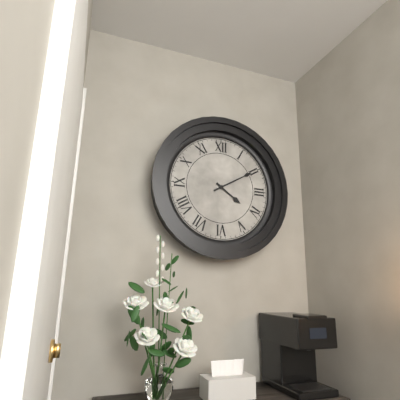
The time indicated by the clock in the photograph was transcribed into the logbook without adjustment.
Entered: 4:10
